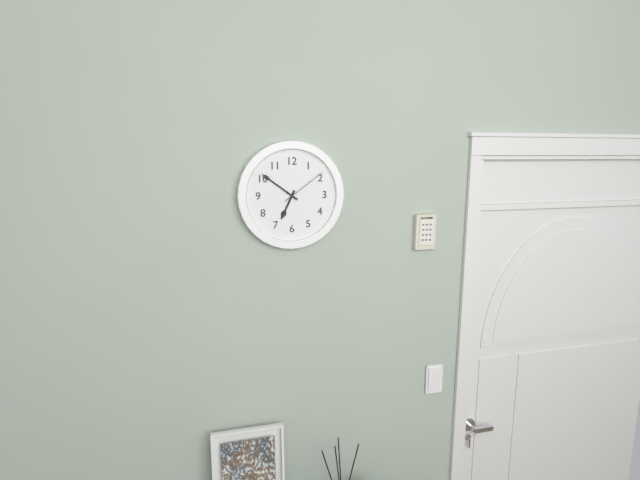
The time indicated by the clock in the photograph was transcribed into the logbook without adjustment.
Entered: 6:51
